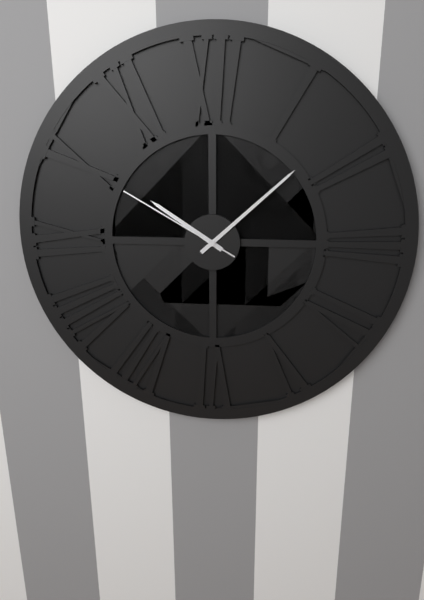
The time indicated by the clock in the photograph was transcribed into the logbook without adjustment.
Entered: 10:08:50
